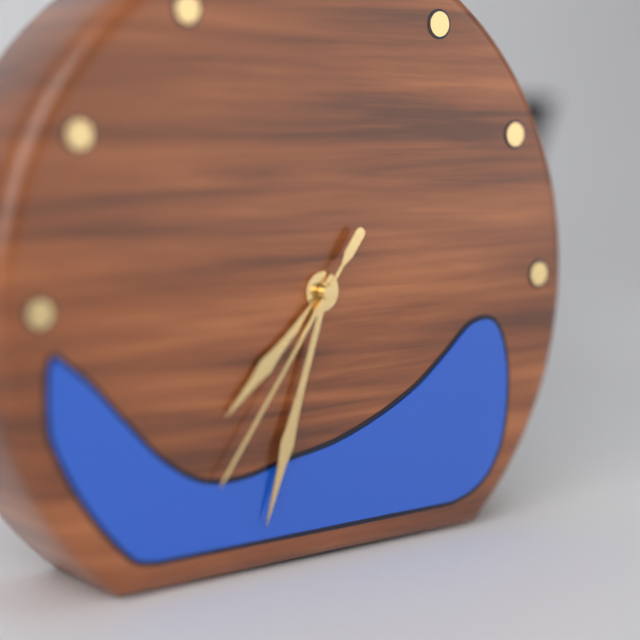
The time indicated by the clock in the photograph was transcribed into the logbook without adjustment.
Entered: 7:33:36
